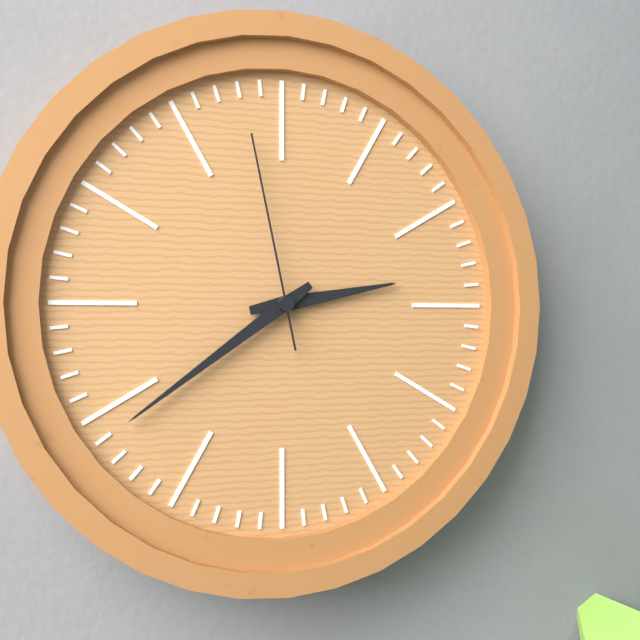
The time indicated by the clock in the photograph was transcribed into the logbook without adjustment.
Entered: 2:39:58
